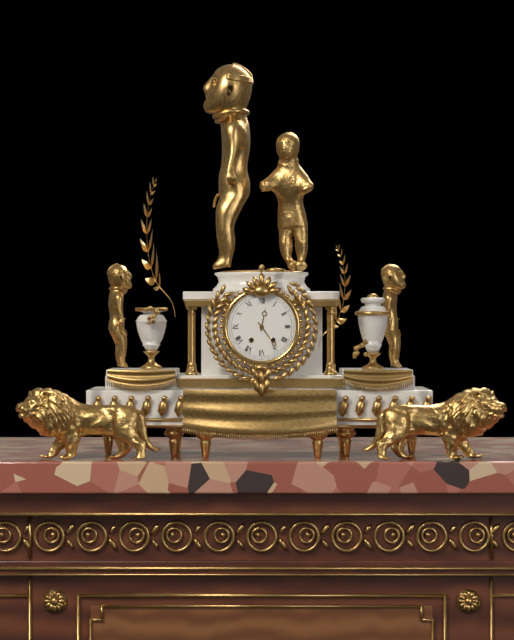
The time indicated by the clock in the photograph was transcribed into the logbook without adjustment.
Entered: 12:24
